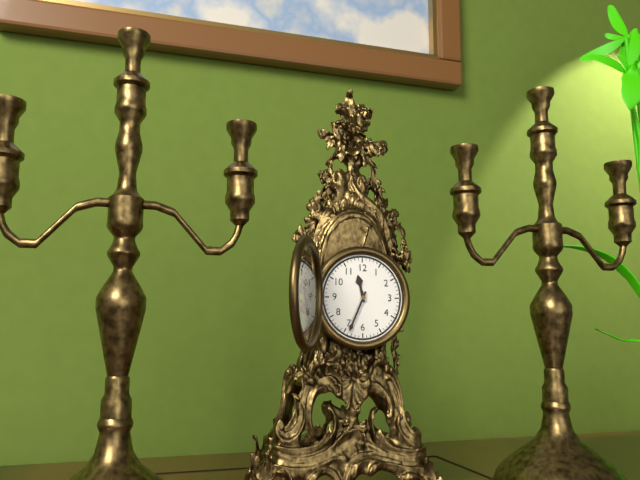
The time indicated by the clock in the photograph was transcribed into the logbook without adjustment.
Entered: 11:34
